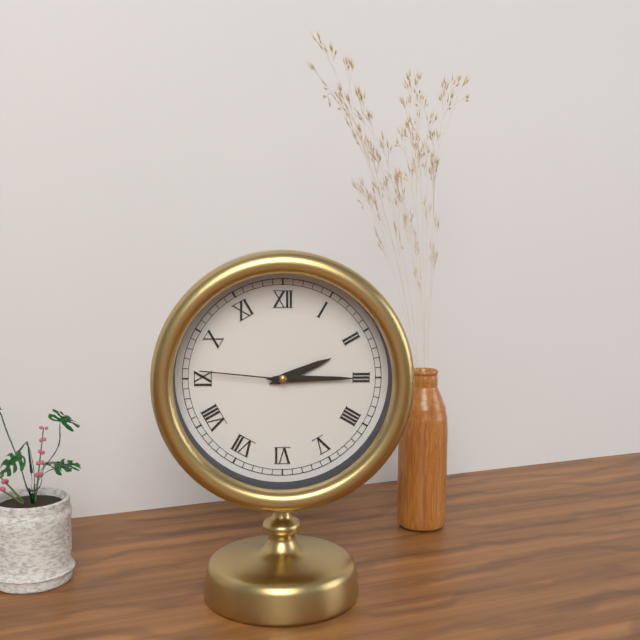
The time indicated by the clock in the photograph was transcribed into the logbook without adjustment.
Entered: 2:15:46
